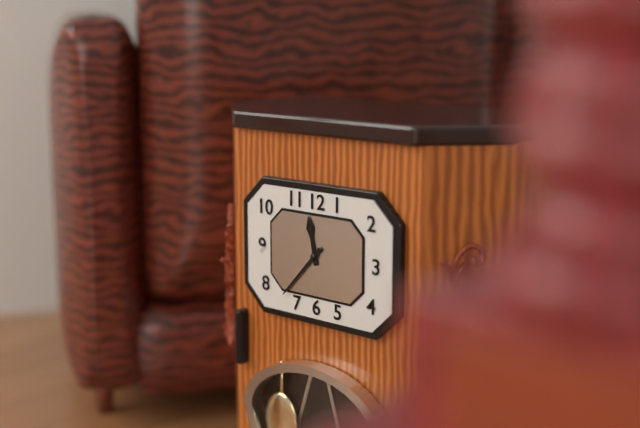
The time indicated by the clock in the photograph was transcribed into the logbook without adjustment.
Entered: 11:37
